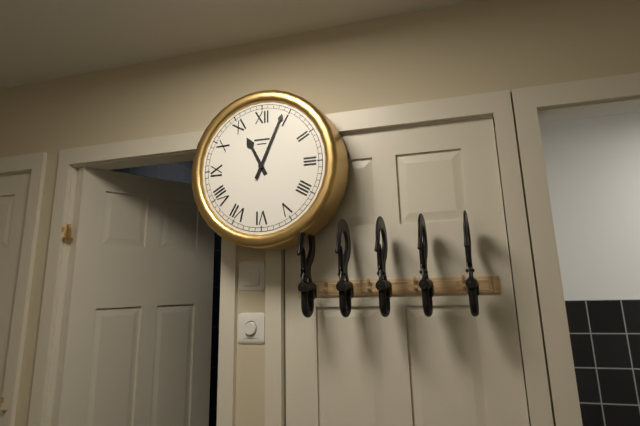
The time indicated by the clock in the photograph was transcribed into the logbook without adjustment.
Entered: 11:04
